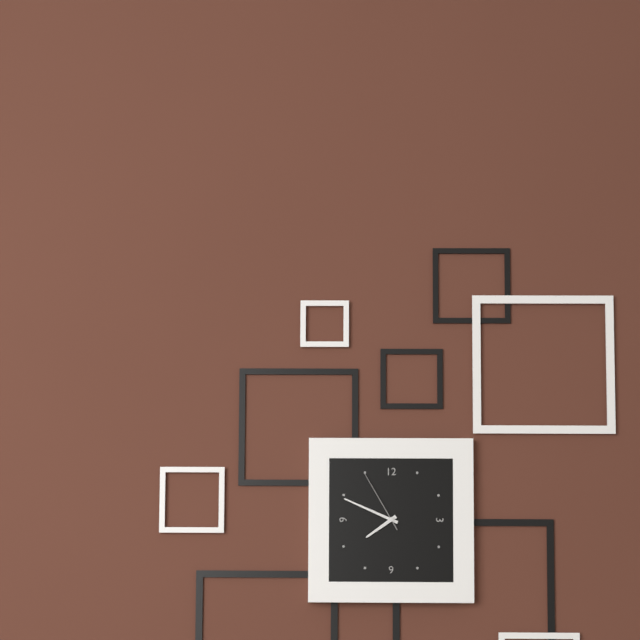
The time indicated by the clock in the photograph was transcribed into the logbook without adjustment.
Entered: 7:49:55
